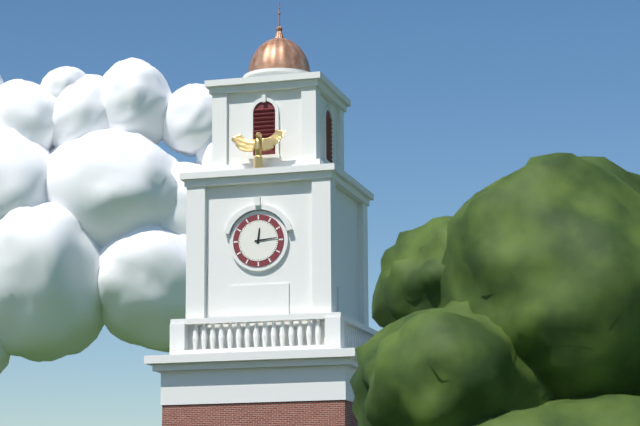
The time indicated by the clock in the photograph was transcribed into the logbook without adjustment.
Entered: 12:14
